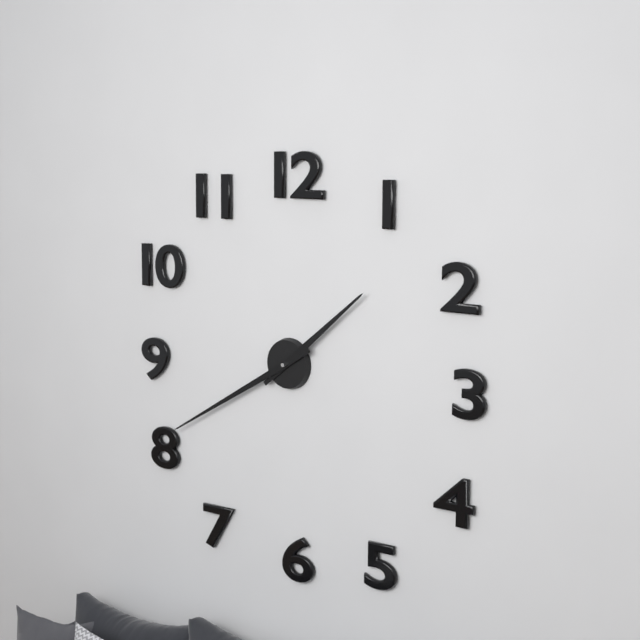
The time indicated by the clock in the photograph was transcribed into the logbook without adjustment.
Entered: 1:40
